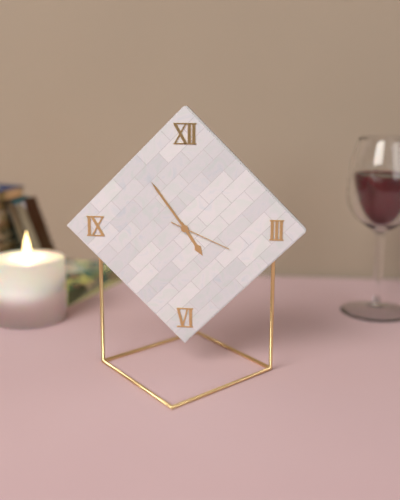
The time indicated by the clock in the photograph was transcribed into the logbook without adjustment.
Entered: 4:54:19
